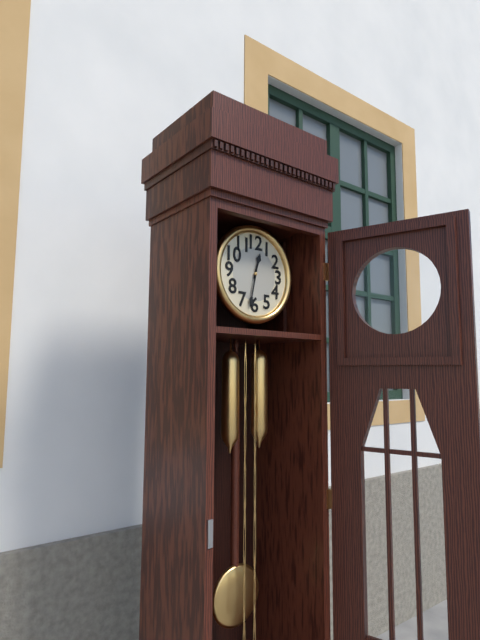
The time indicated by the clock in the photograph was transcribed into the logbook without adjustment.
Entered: 12:32
